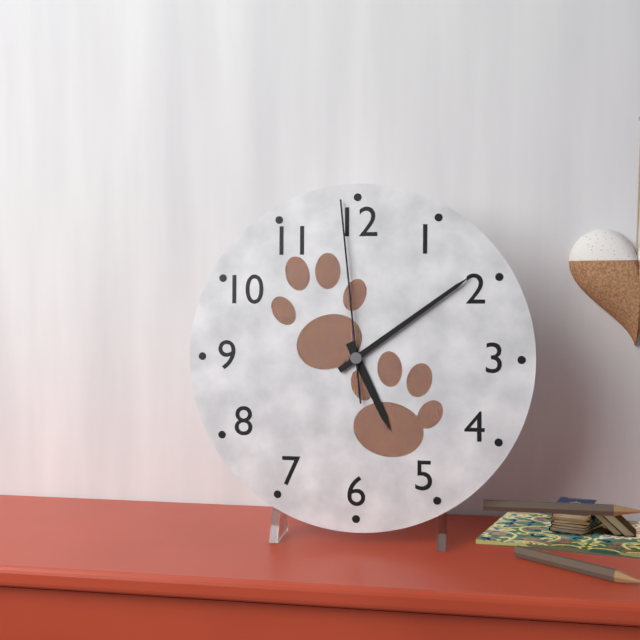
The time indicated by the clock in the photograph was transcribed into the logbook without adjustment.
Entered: 5:09:59
